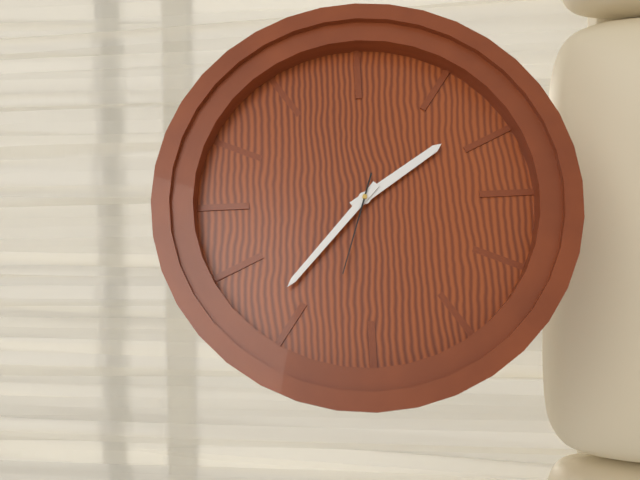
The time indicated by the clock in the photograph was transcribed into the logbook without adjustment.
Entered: 4:52:48
